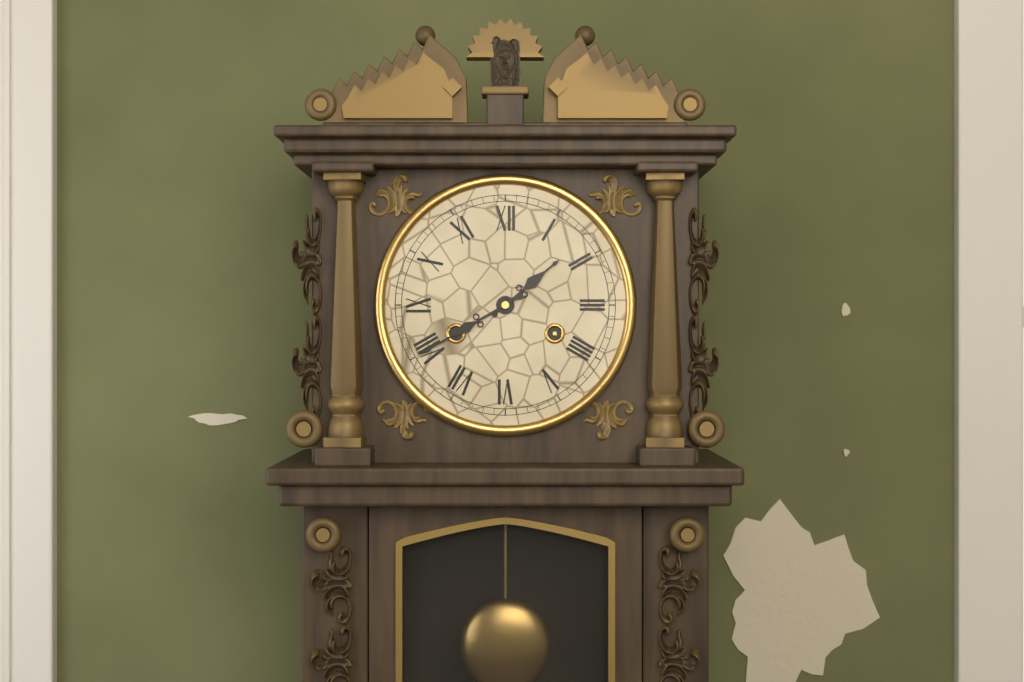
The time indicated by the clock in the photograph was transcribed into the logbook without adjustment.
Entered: 1:40
